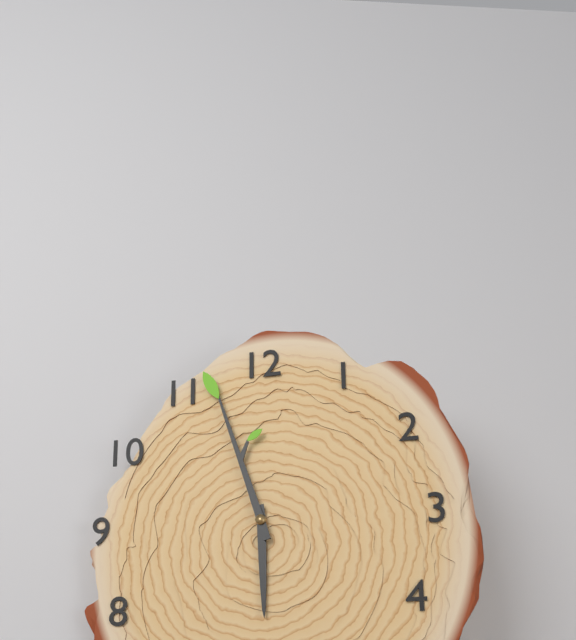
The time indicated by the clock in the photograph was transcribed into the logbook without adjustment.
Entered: 5:57
